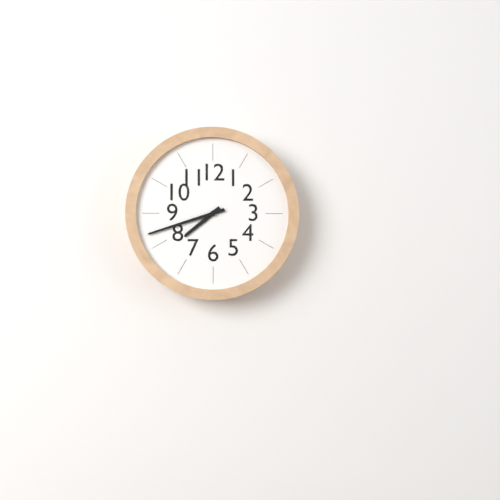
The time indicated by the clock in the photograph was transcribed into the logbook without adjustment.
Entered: 7:42
